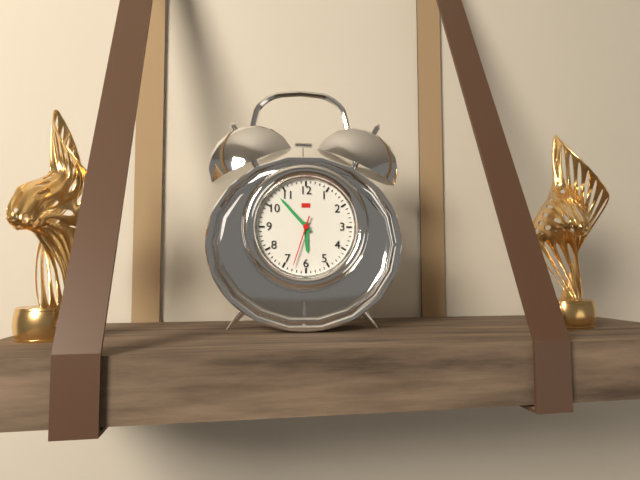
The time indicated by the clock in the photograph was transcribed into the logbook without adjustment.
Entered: 5:53:33
